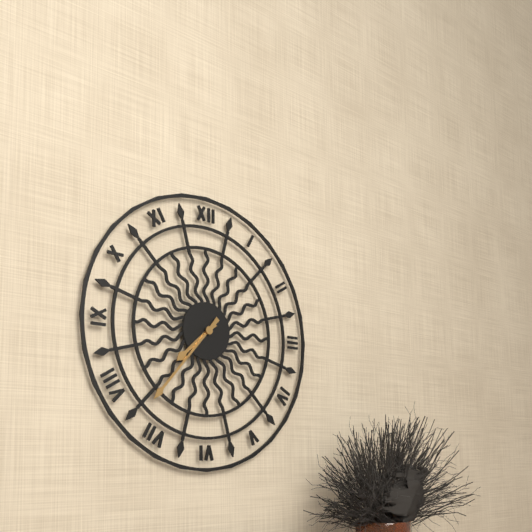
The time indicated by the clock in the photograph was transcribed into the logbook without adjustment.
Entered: 7:37
